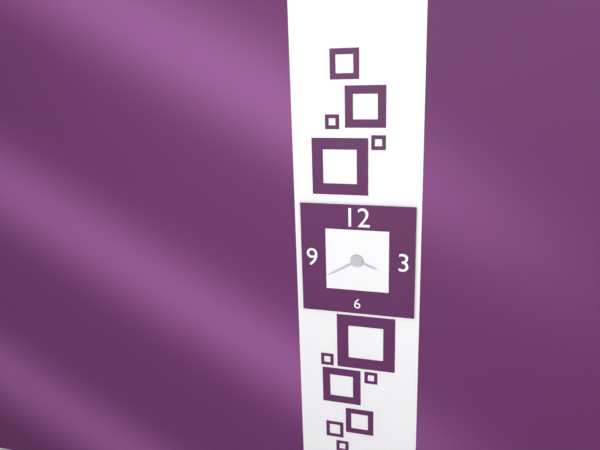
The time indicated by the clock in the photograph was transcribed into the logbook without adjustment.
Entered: 3:40
